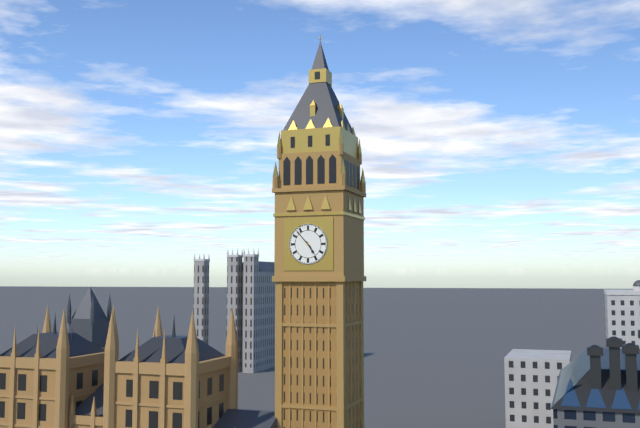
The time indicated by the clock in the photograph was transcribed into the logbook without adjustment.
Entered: 4:53
